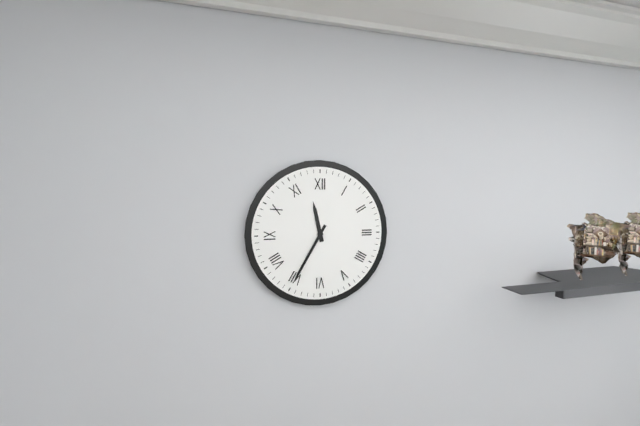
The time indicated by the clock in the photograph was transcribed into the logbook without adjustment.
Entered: 11:35
